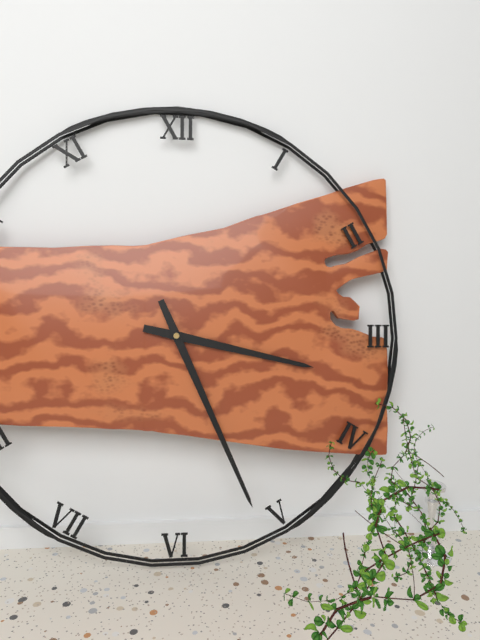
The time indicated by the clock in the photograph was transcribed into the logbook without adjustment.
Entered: 3:26
